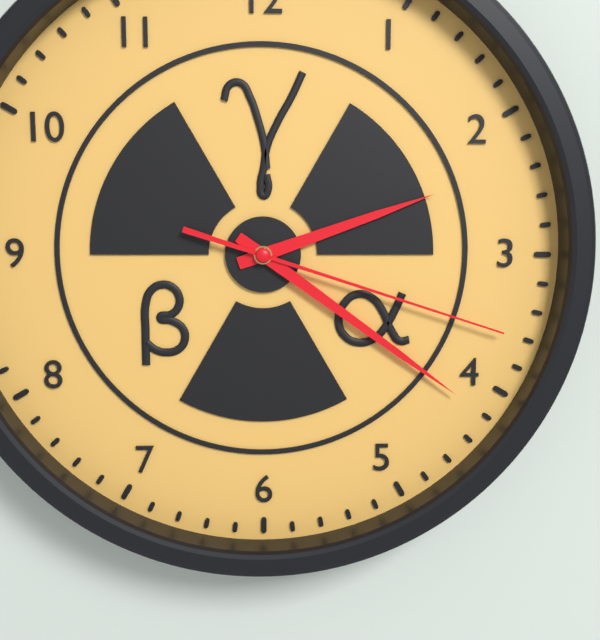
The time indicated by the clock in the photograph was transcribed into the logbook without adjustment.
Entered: 2:21:18
